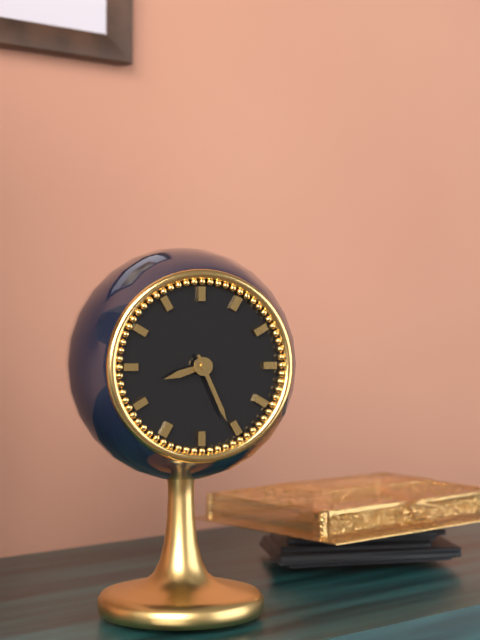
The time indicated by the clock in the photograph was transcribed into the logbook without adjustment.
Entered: 8:26
